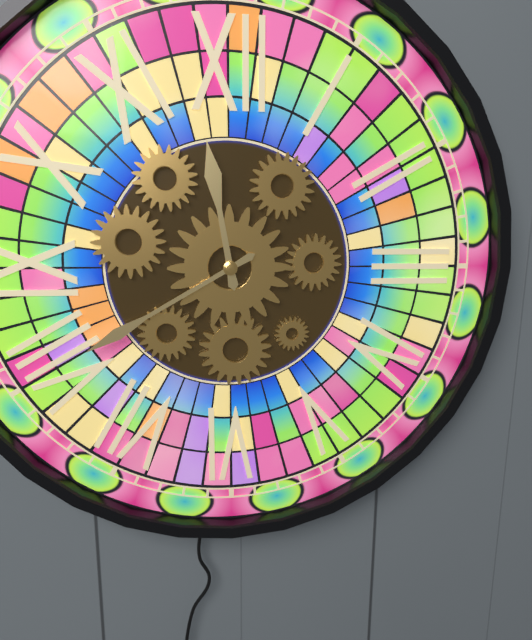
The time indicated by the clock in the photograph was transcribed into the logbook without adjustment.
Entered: 11:40
